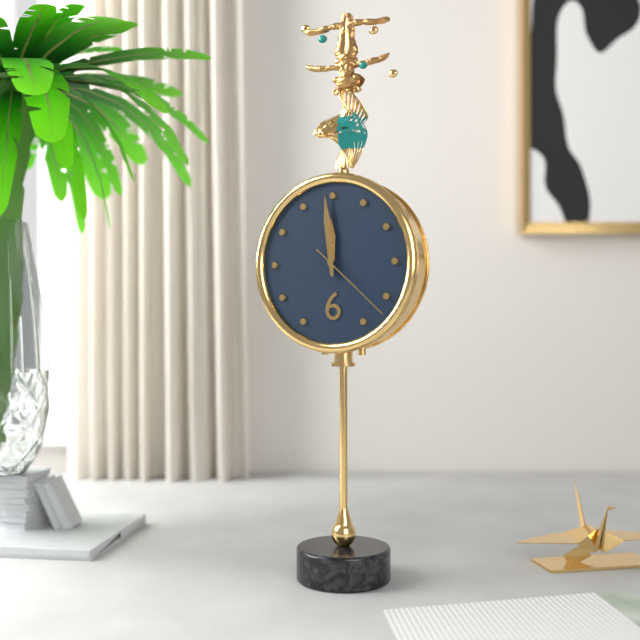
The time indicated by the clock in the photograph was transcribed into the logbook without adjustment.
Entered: 11:59:22
